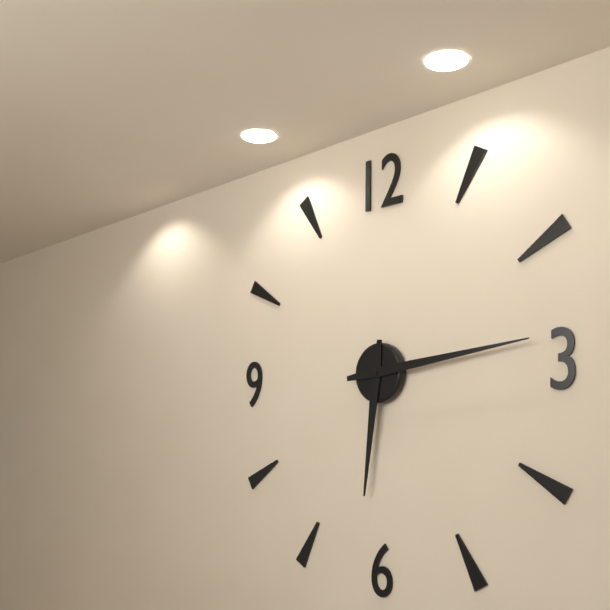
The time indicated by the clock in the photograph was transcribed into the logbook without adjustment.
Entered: 6:14
